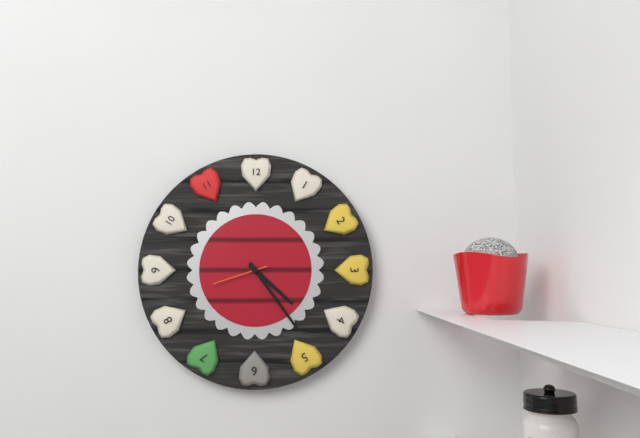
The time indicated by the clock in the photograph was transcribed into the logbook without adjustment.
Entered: 4:24:42
